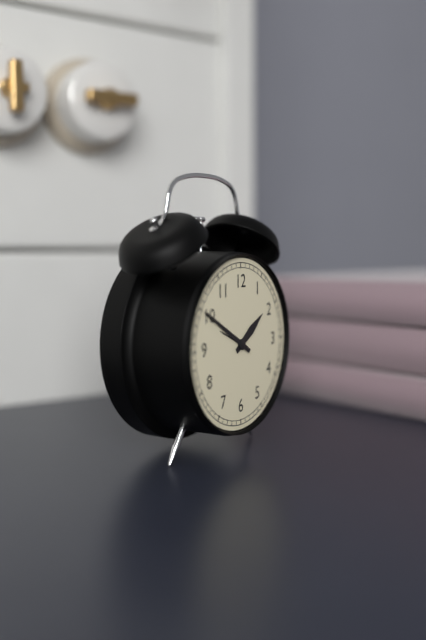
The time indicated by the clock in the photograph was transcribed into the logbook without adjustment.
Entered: 1:50
